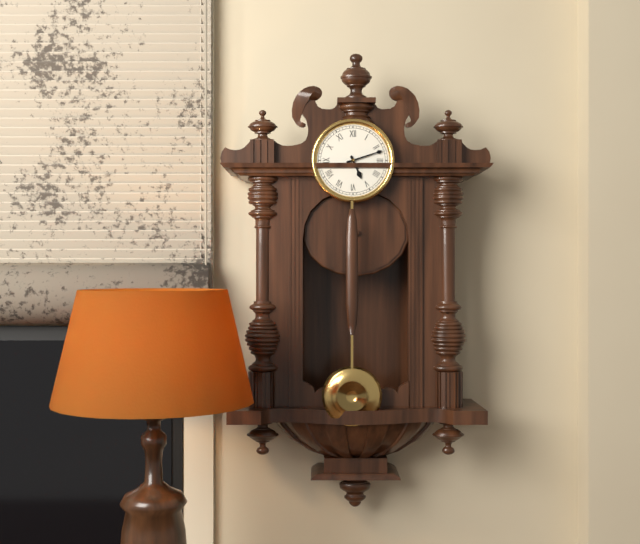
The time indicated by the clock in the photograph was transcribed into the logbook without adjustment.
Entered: 5:12
